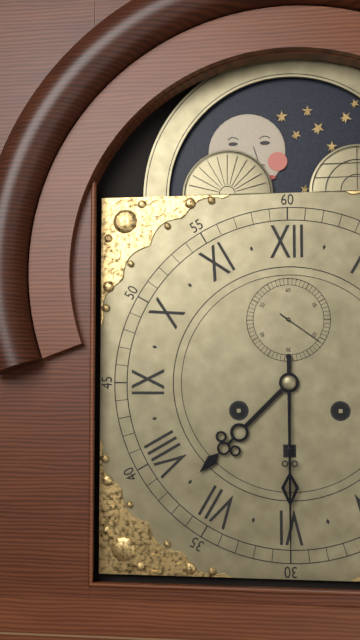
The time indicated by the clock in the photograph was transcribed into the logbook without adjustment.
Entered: 7:30:21
